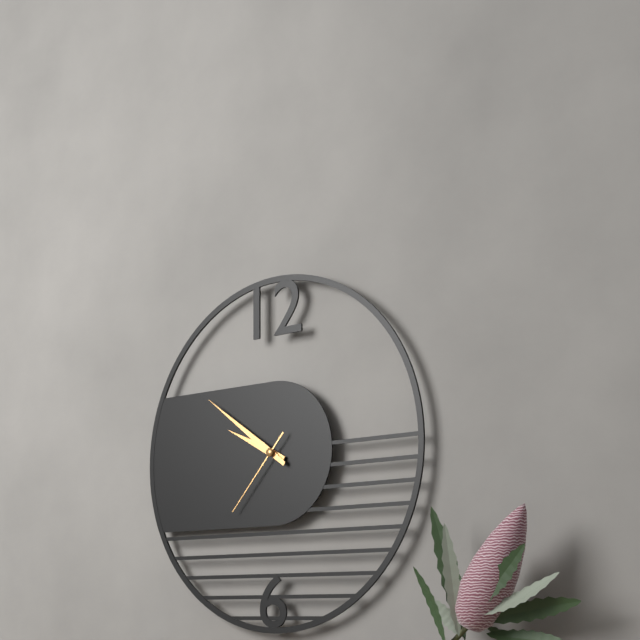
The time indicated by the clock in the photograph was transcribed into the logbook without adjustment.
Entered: 9:51:37
